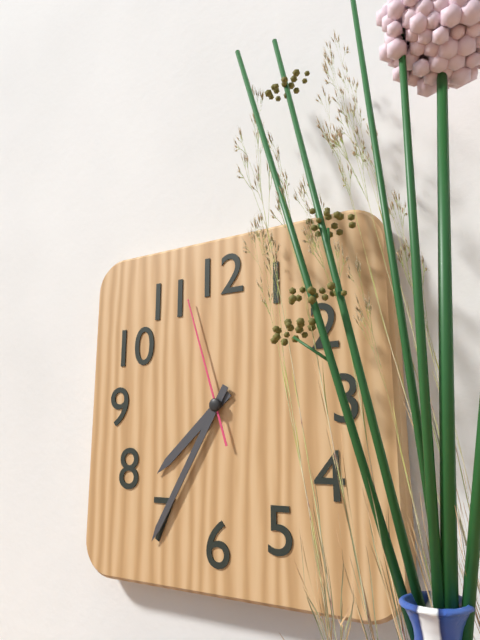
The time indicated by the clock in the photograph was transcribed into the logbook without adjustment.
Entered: 7:35:57
